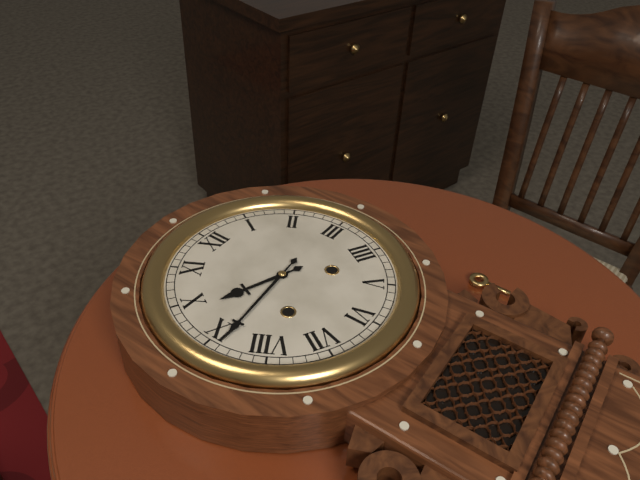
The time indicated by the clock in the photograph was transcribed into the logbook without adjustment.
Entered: 9:44
